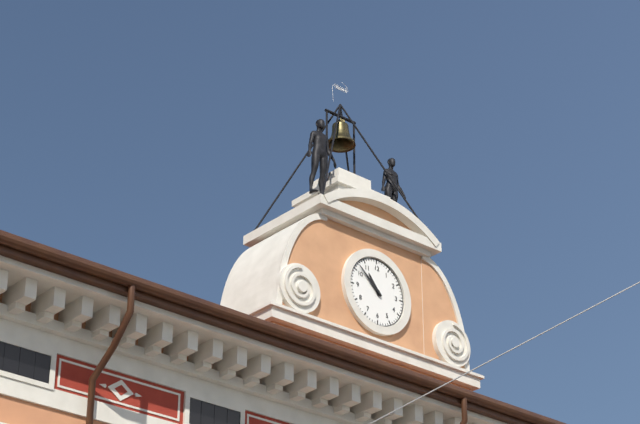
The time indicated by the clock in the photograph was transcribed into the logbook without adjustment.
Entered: 10:52
